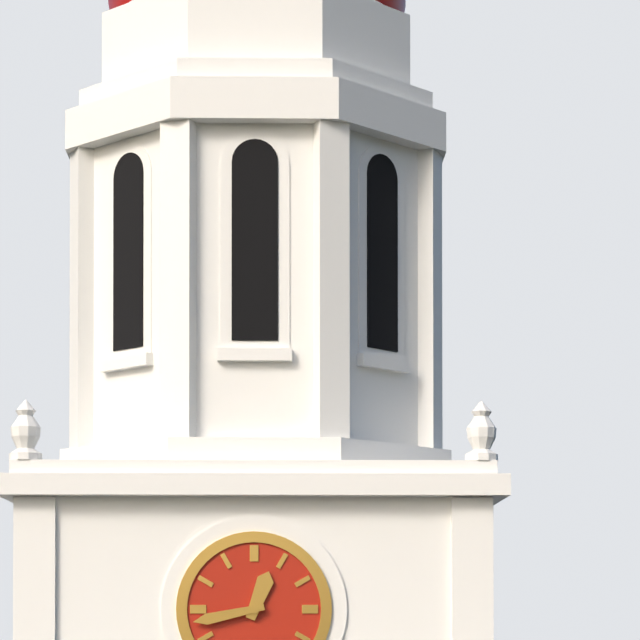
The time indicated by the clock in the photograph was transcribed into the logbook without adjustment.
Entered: 12:43
